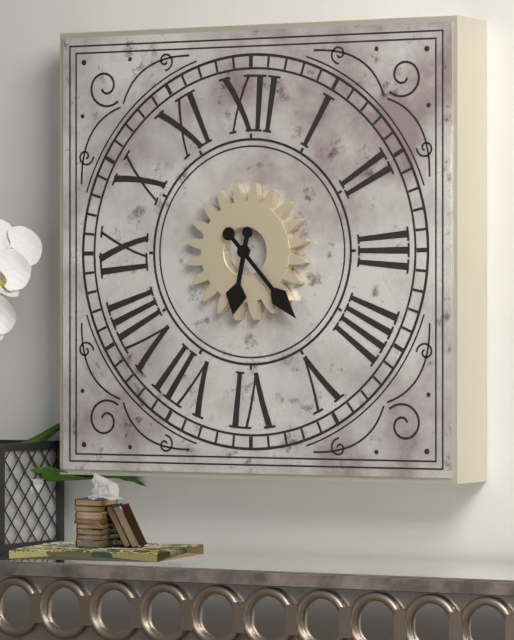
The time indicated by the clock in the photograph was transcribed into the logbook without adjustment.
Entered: 6:23
